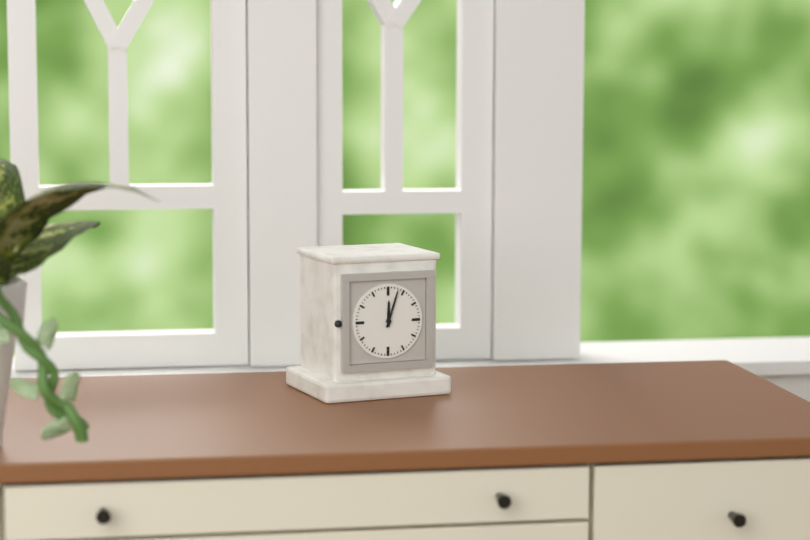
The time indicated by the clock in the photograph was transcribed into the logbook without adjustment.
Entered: 12:03
